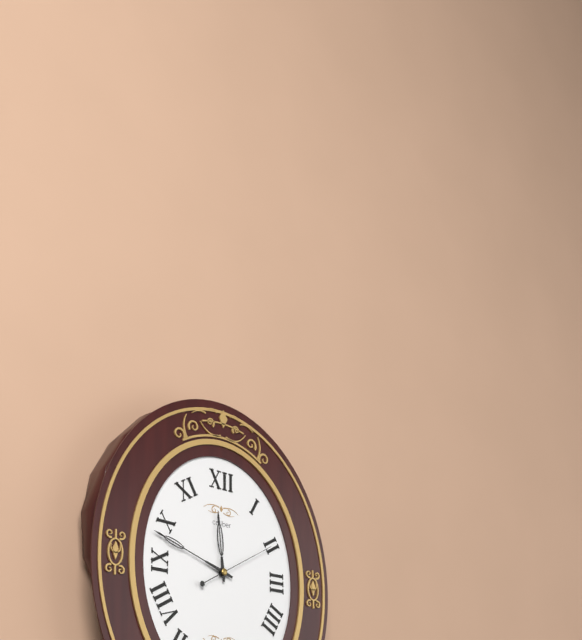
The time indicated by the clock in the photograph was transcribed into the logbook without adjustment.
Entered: 11:48:10
